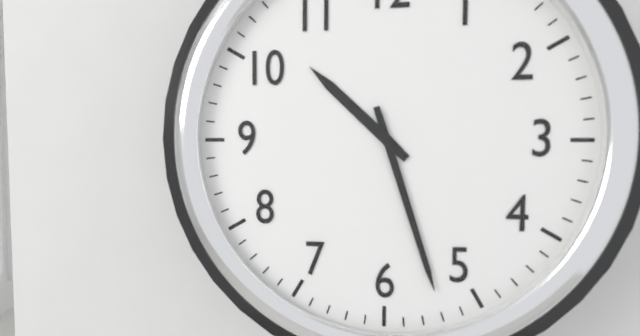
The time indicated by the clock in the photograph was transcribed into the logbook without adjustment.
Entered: 10:27
